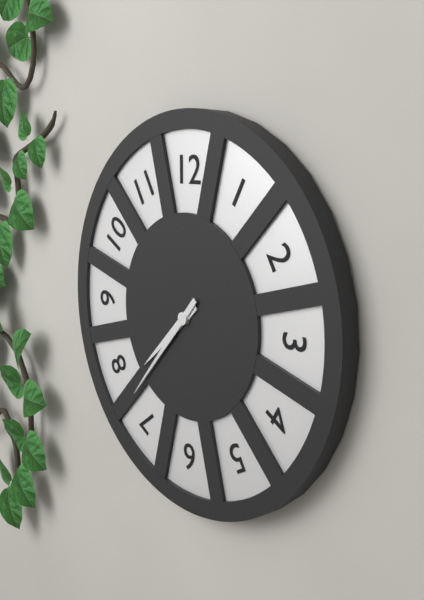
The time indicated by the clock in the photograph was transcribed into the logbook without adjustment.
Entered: 7:37
